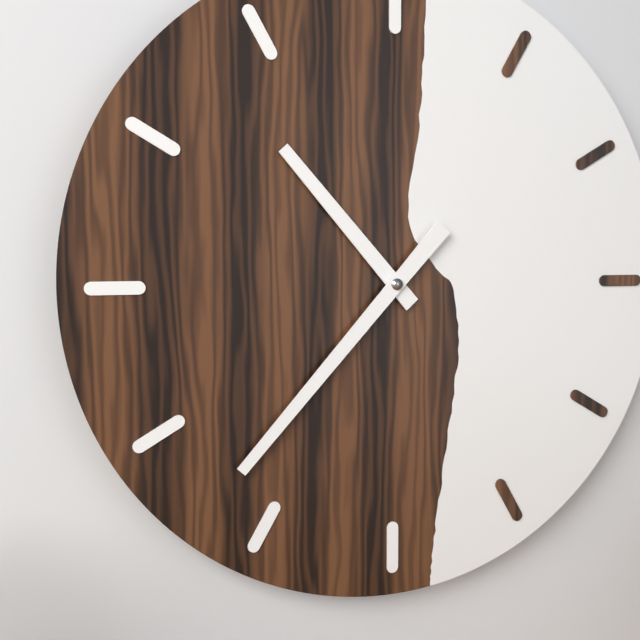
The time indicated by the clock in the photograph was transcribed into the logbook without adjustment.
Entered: 10:37
